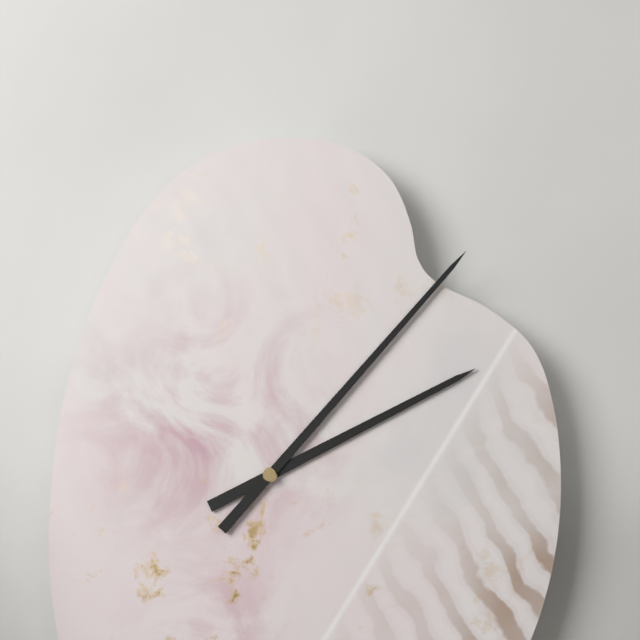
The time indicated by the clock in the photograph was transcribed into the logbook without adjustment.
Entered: 2:07
